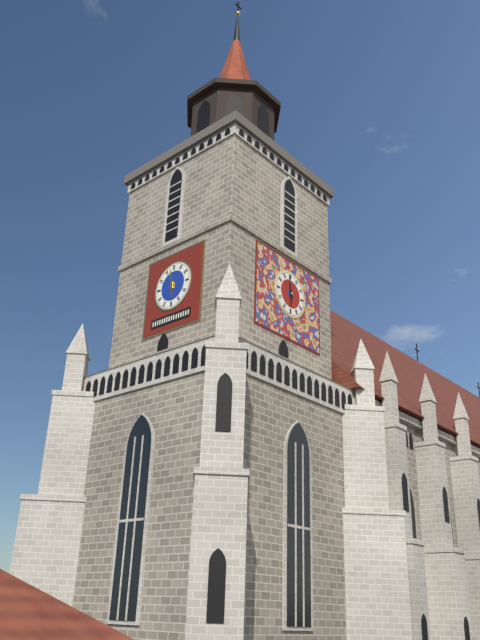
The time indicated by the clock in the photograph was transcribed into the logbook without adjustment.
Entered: 5:58
